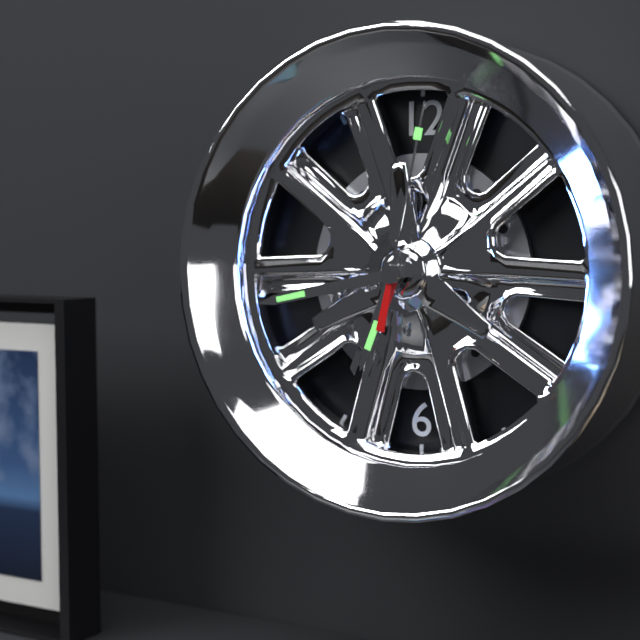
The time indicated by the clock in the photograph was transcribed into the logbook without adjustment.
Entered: 6:43:02
